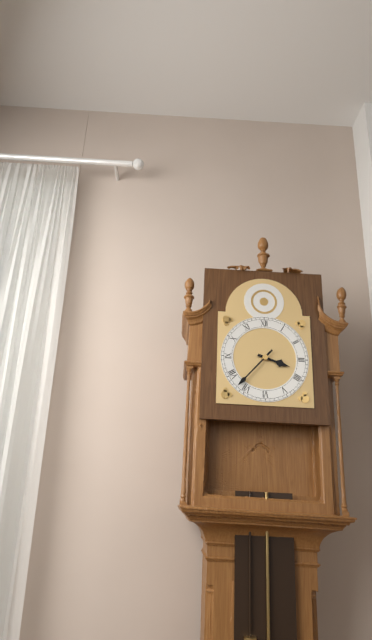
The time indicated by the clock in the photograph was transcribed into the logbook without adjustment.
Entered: 3:37
